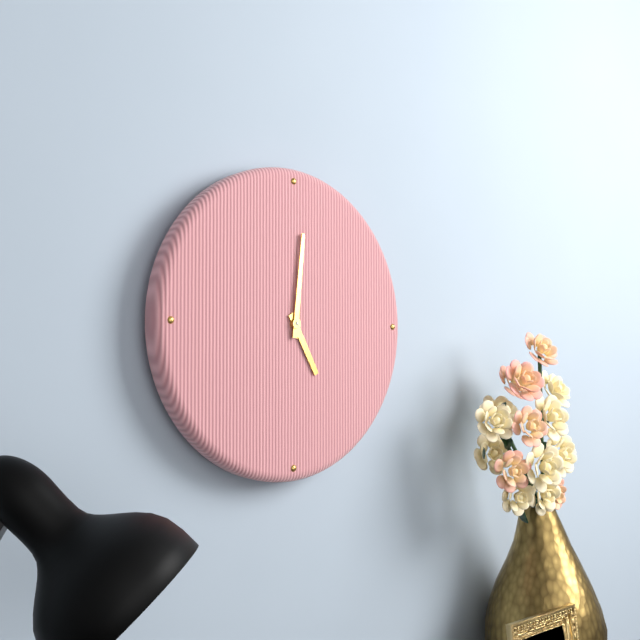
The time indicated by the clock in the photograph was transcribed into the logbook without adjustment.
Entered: 5:01
